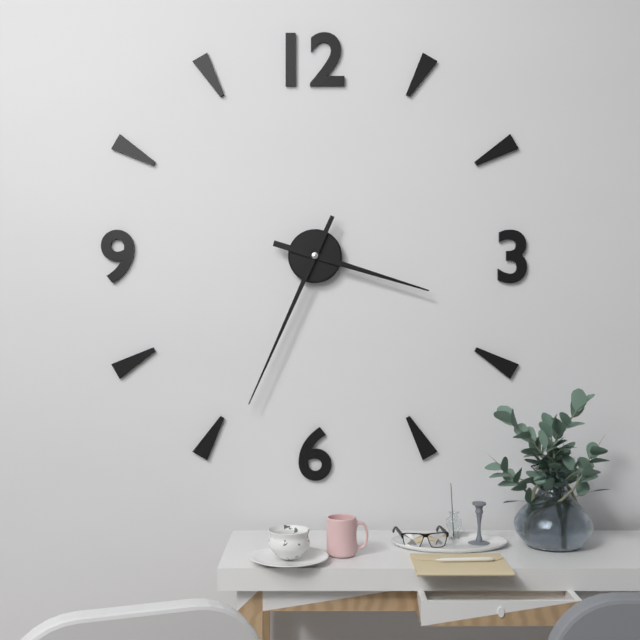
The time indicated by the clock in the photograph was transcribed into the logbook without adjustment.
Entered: 3:34
